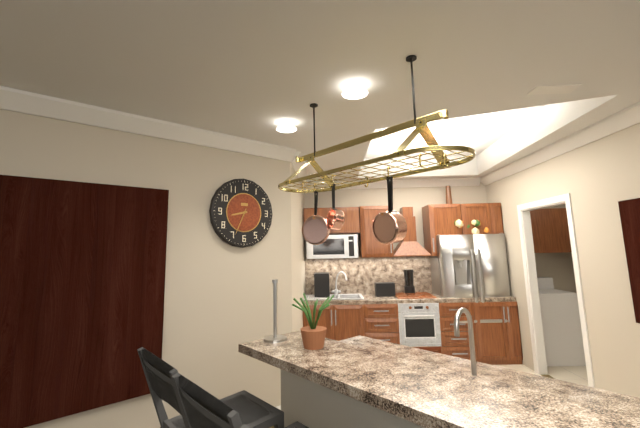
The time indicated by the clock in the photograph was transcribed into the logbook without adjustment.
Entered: 8:34
